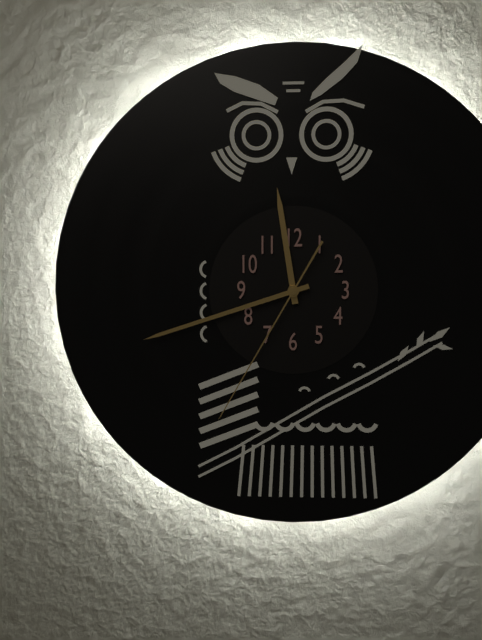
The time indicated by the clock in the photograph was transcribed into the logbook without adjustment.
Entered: 11:42:35
